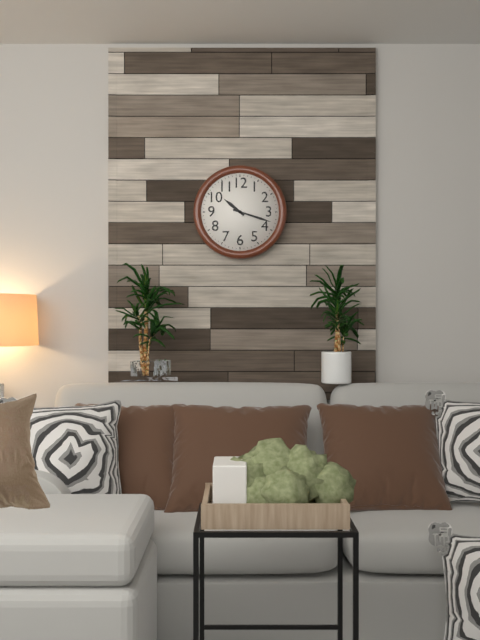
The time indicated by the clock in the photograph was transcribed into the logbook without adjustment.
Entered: 10:18
